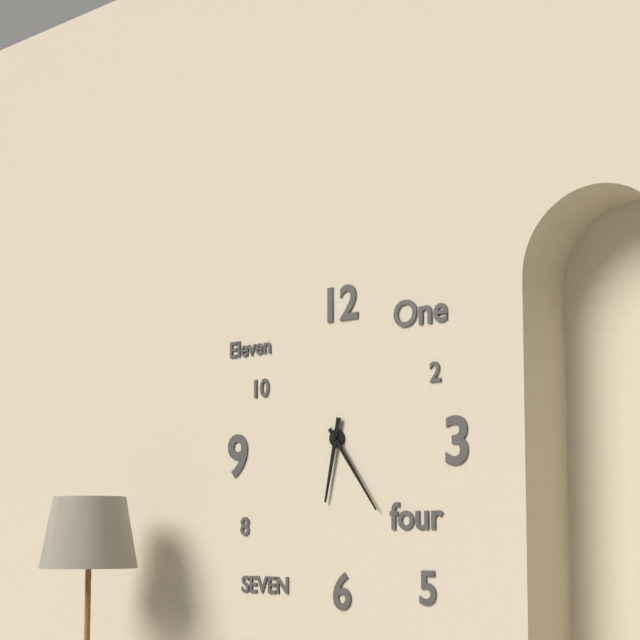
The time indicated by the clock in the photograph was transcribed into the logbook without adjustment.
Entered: 6:24
